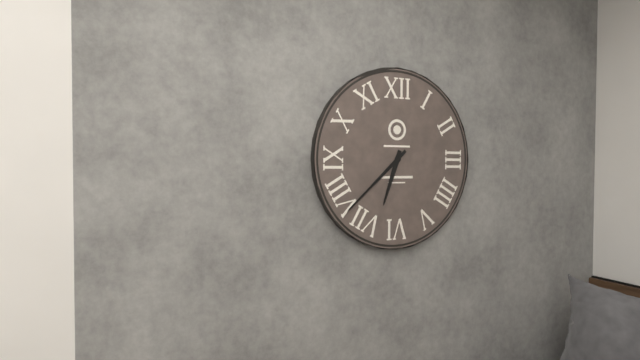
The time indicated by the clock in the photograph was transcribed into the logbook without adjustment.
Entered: 6:38
